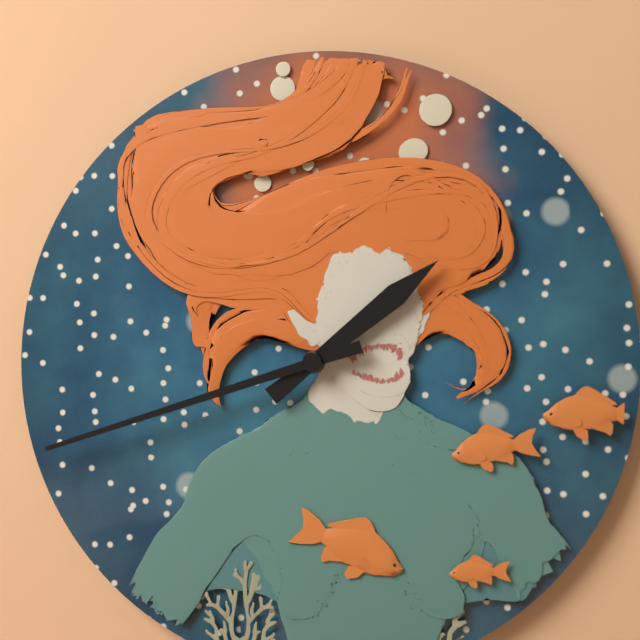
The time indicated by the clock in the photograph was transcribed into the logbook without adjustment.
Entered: 1:42
